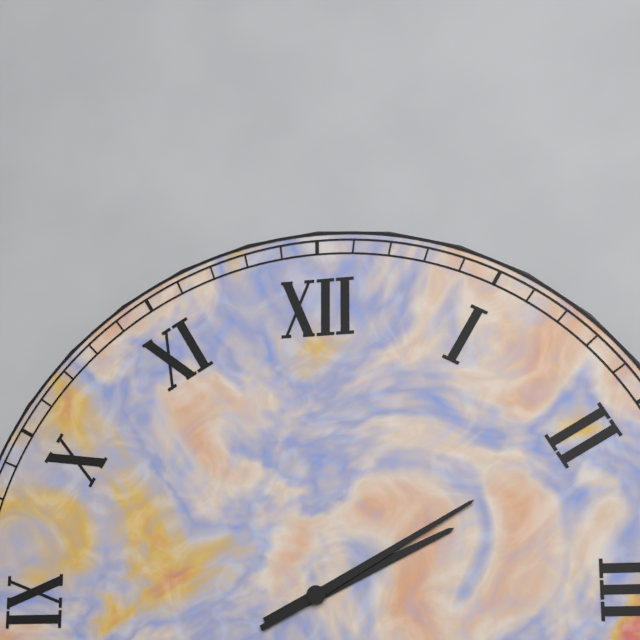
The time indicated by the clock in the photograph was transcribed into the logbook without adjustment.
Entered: 2:10
